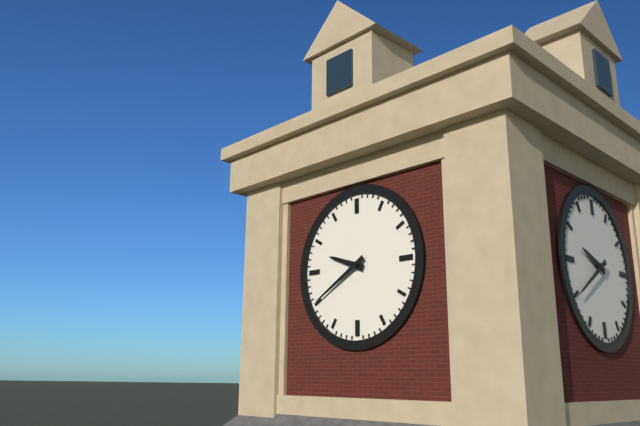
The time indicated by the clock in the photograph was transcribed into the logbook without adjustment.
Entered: 9:40
